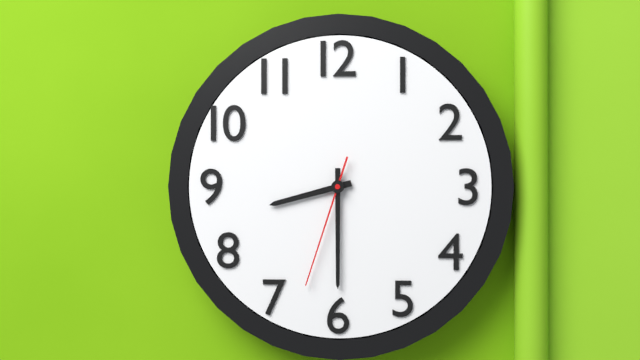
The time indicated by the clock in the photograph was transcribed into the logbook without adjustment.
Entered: 8:30:33
